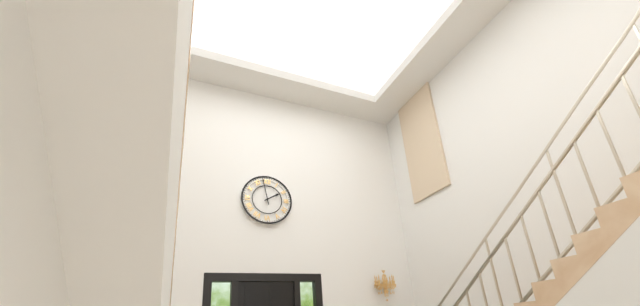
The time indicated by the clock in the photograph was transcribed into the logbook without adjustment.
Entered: 1:58
